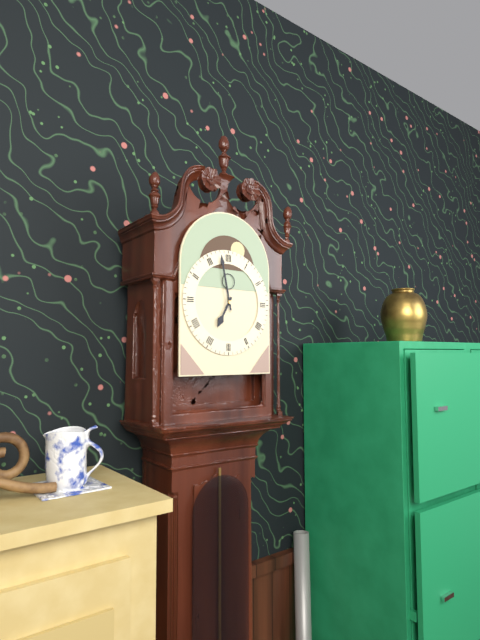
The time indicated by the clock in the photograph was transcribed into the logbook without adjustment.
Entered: 6:58
